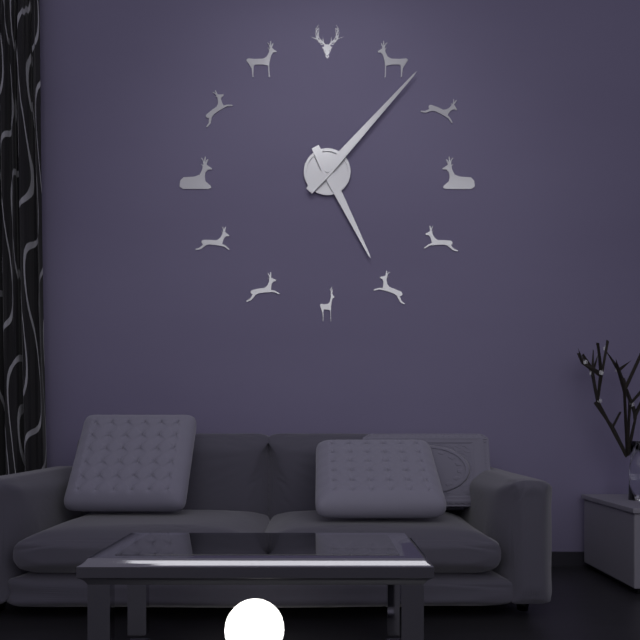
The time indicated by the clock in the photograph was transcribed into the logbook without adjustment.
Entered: 5:07
